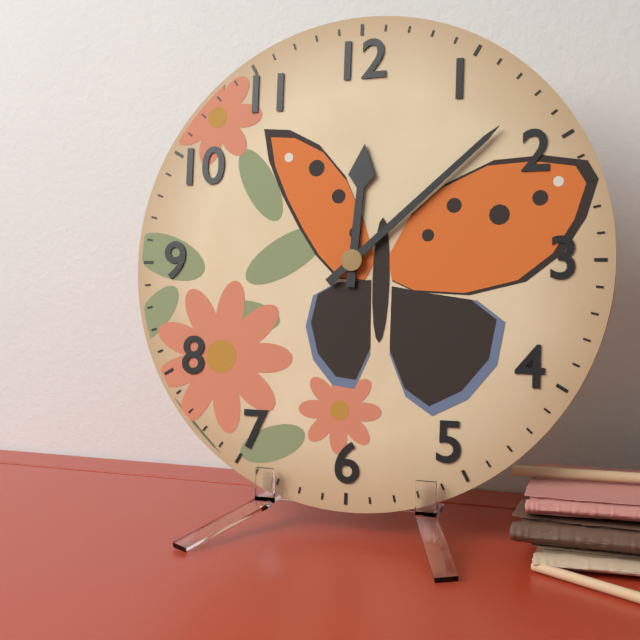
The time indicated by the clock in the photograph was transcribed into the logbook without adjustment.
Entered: 12:08
